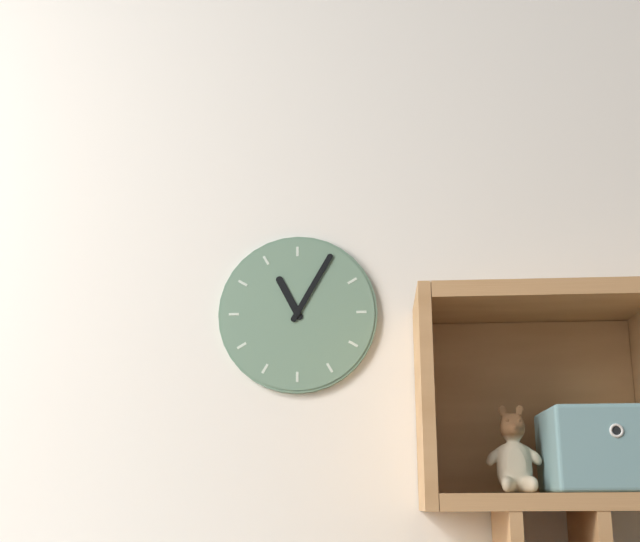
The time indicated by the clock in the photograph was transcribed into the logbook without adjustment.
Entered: 11:05
